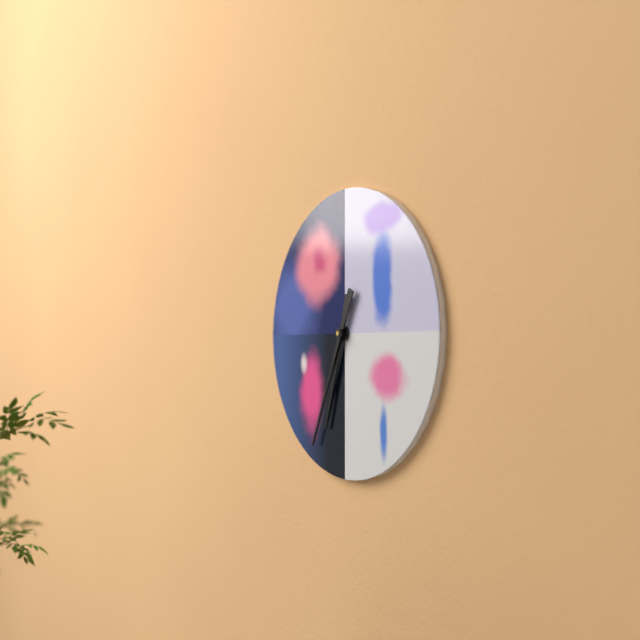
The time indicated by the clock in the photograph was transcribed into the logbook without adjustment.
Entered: 6:34
